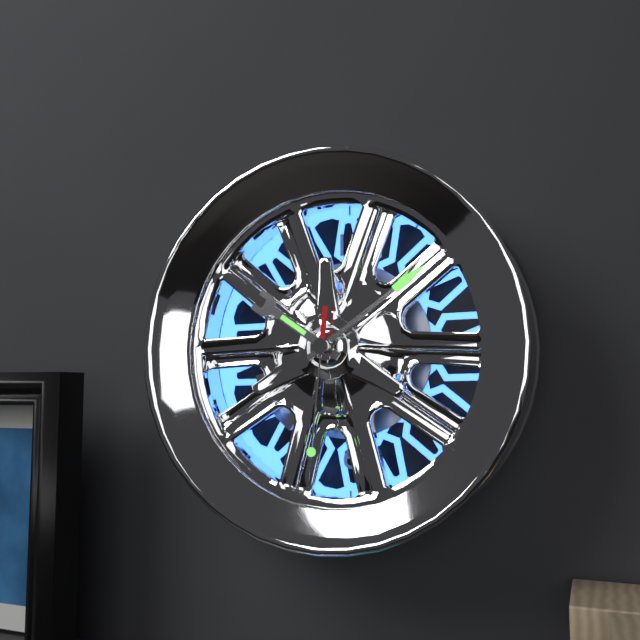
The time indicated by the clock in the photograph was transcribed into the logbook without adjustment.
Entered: 10:09:31
